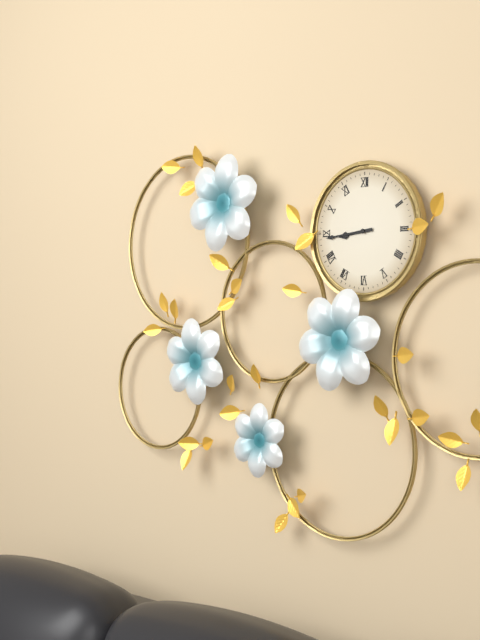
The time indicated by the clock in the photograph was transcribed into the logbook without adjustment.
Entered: 8:44
